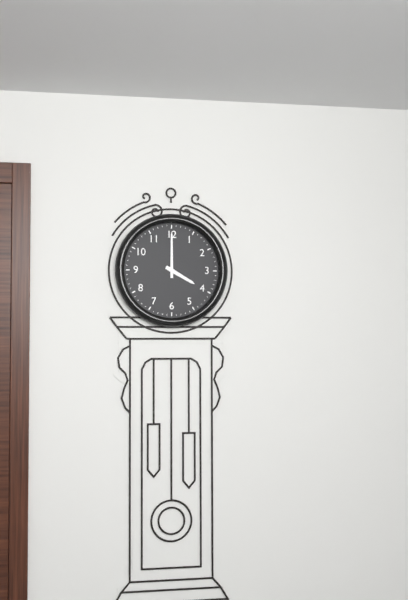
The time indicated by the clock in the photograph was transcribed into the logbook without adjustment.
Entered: 4:00
